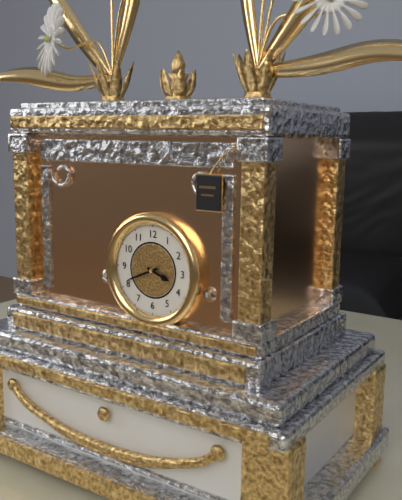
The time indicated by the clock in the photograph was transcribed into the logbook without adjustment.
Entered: 3:41
